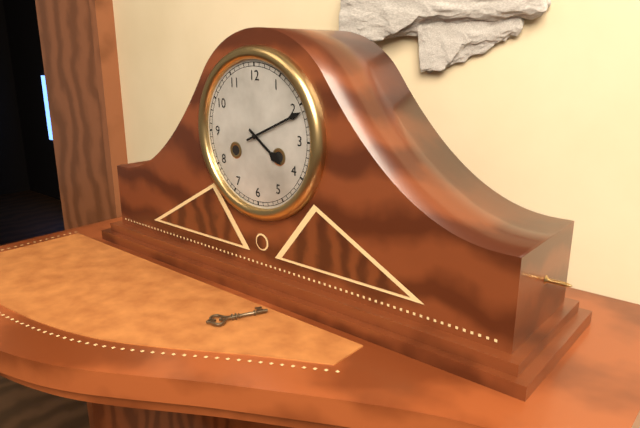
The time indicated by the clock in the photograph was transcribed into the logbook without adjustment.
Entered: 4:11
